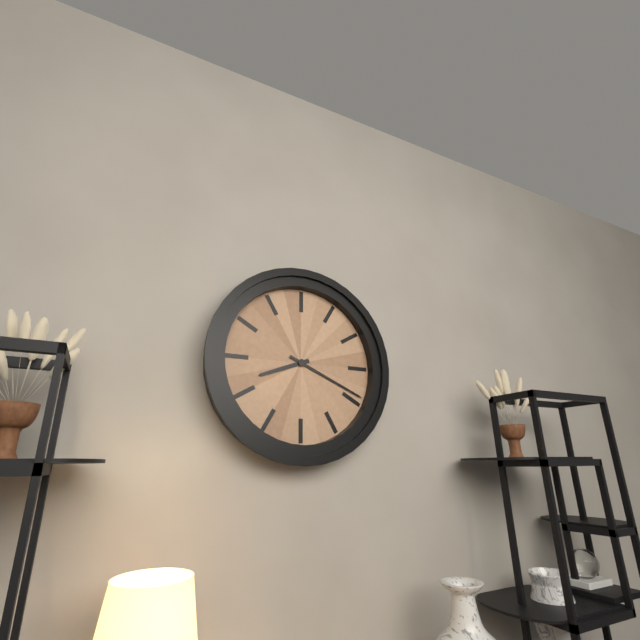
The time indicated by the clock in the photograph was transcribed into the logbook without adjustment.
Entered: 8:19
